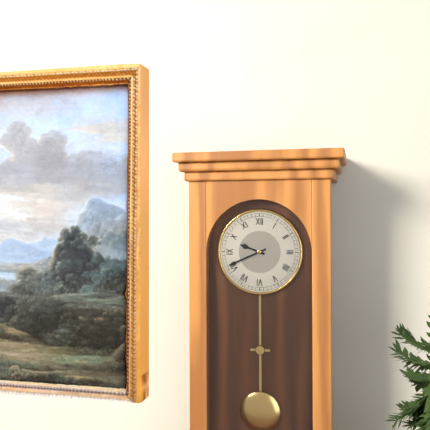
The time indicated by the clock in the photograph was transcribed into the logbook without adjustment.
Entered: 9:41
